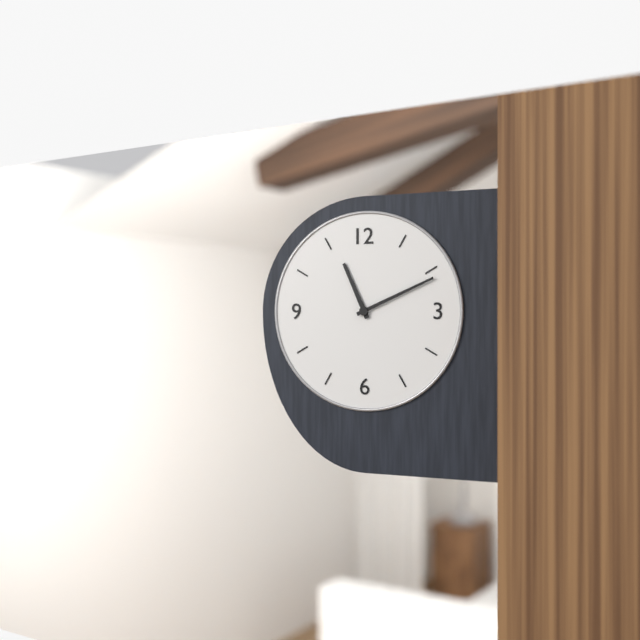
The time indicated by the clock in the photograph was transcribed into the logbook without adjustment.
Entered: 11:11
